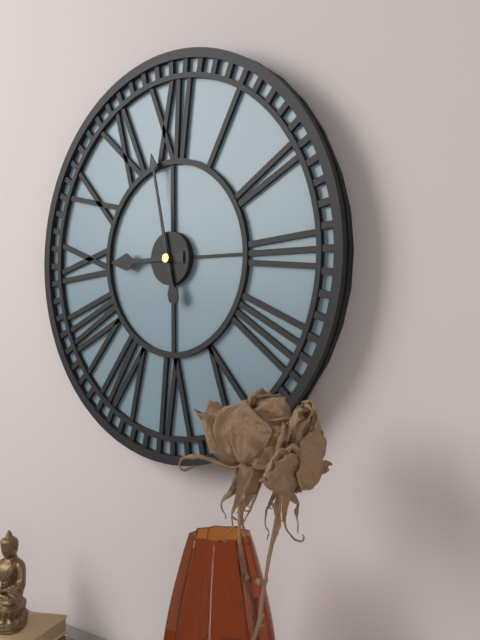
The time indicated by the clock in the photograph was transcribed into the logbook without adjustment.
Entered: 8:58
